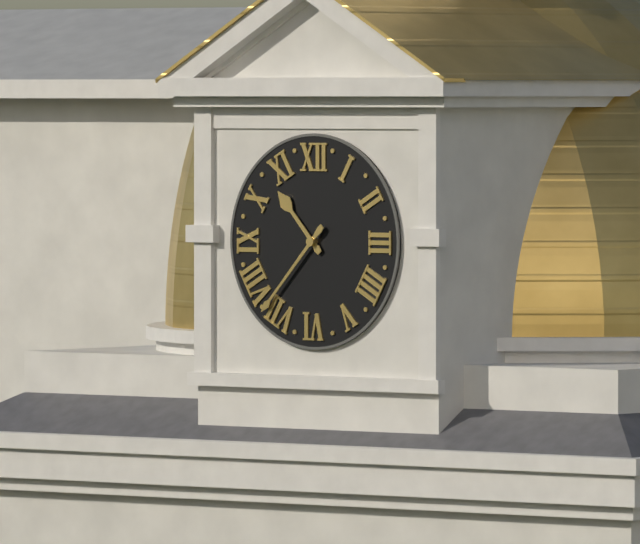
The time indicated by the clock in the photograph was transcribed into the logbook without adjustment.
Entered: 10:37
